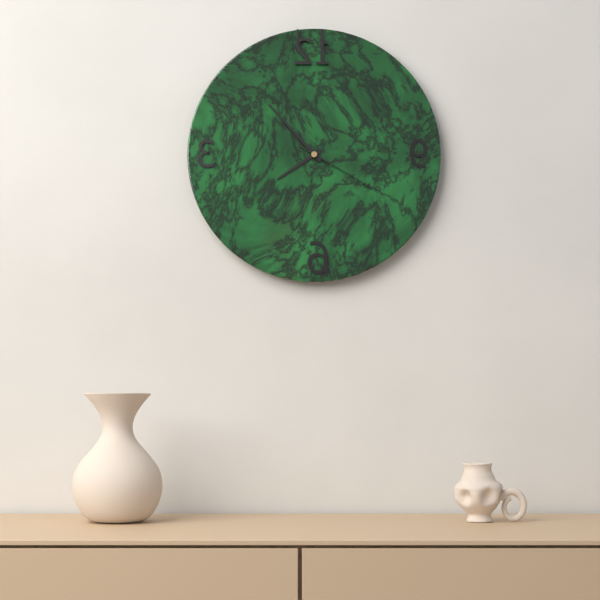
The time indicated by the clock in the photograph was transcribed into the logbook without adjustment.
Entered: 7:53:20
